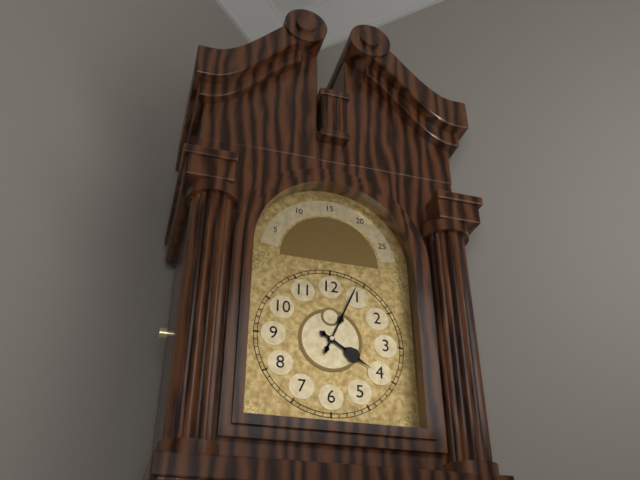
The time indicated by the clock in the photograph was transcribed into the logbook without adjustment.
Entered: 4:04
